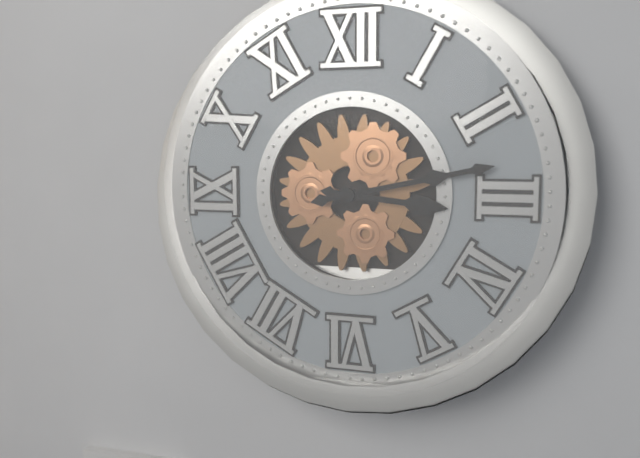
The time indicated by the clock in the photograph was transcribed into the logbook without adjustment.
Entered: 3:13
